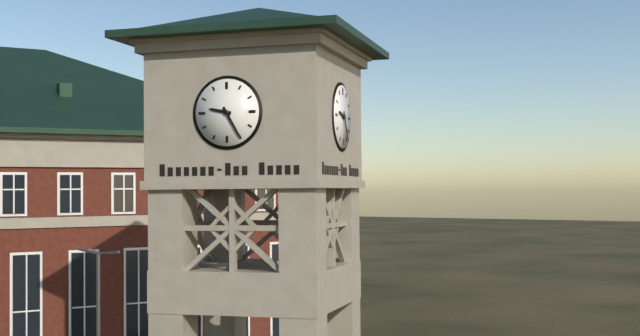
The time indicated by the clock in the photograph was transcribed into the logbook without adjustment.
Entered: 9:25
